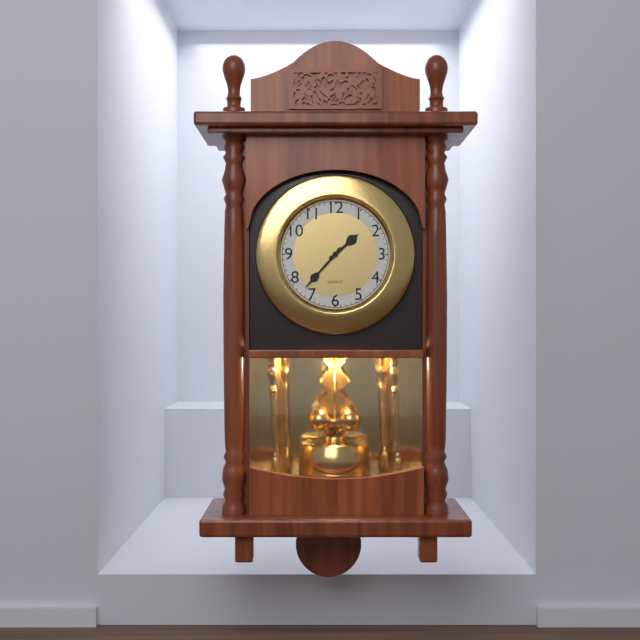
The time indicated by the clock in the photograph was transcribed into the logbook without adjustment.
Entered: 1:37
